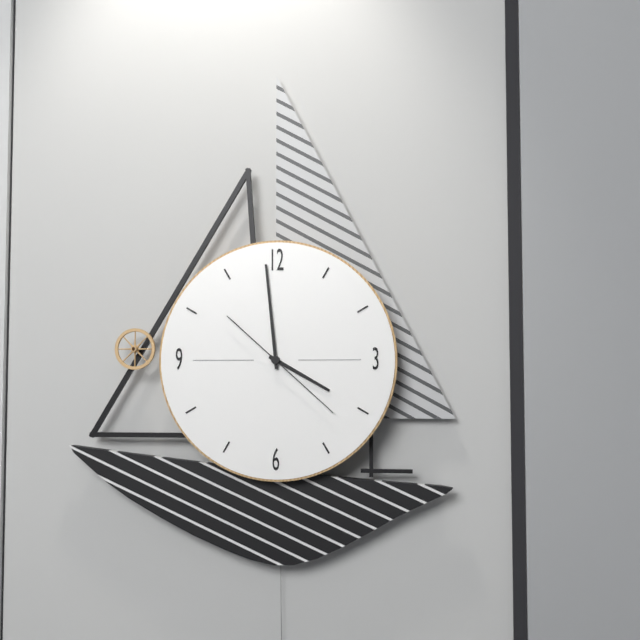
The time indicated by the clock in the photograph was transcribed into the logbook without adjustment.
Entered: 3:59:22
